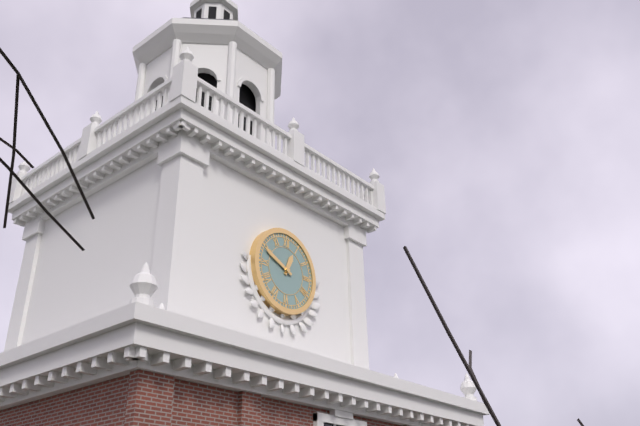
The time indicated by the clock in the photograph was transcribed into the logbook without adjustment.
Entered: 12:49
